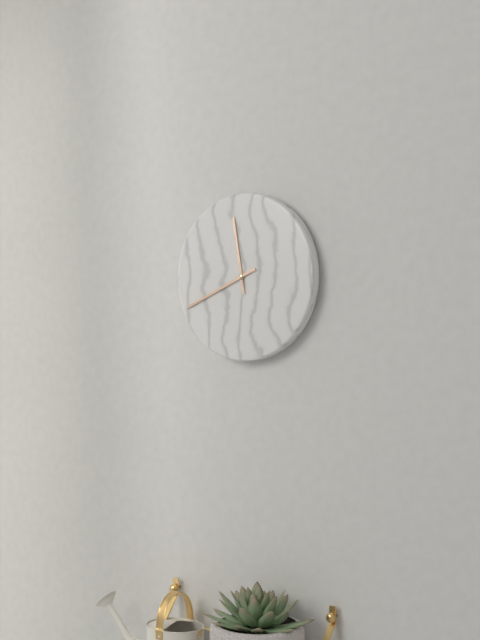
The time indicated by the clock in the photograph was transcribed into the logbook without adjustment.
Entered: 11:41
